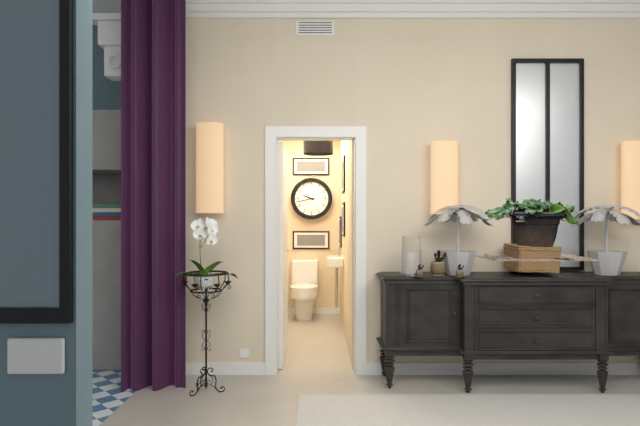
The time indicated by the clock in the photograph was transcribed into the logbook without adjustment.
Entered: 9:43
